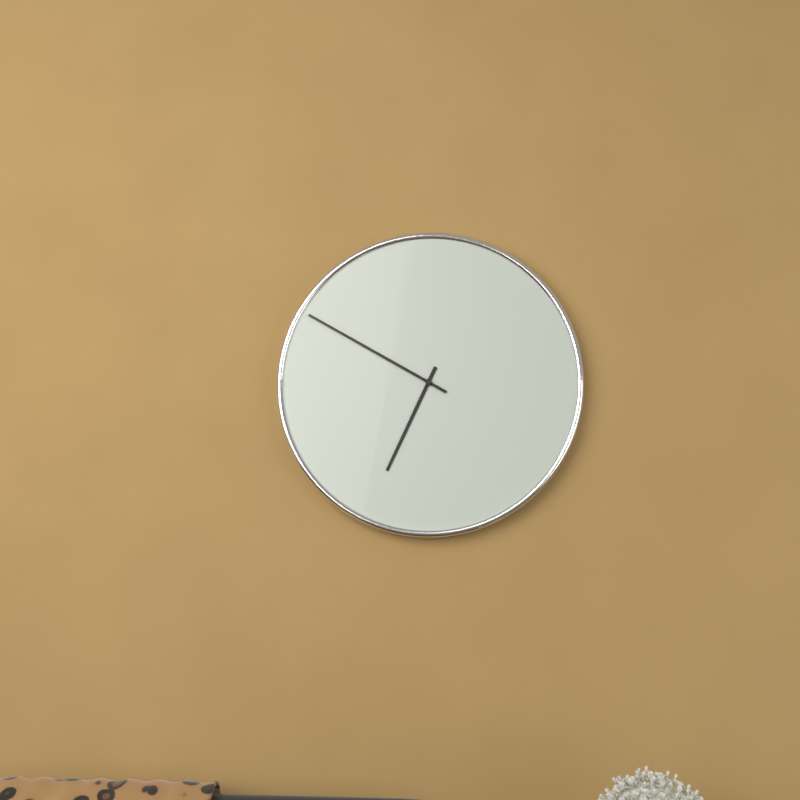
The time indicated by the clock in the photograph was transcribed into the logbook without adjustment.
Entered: 6:50
